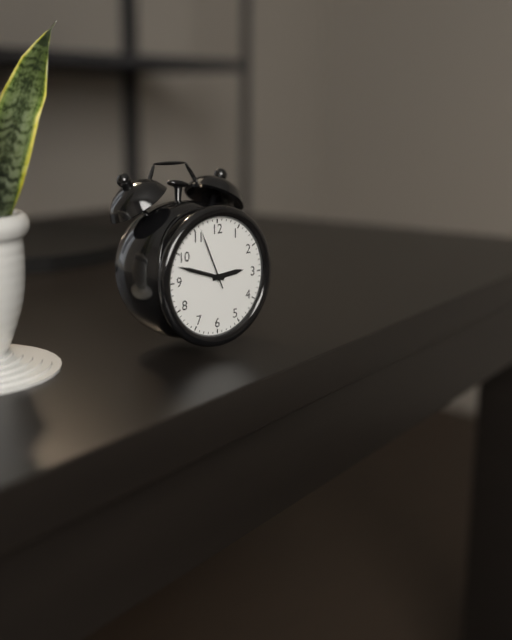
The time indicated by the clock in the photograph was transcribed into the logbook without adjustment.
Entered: 2:48:56
